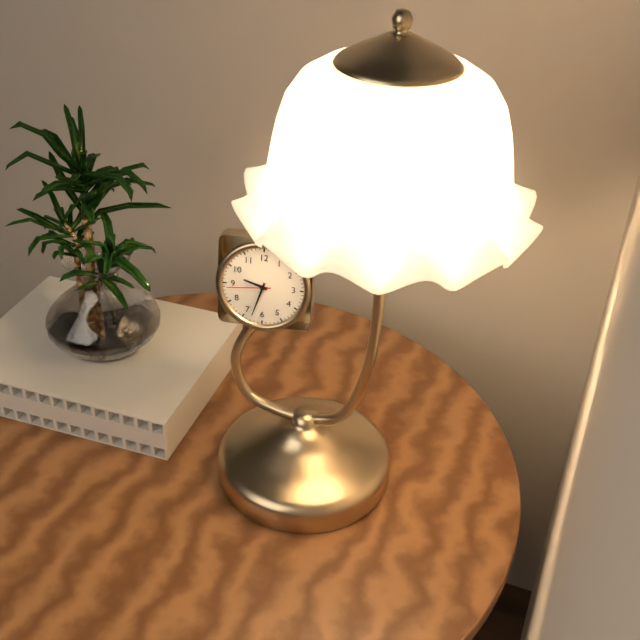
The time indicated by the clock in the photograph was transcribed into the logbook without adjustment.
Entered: 9:33
